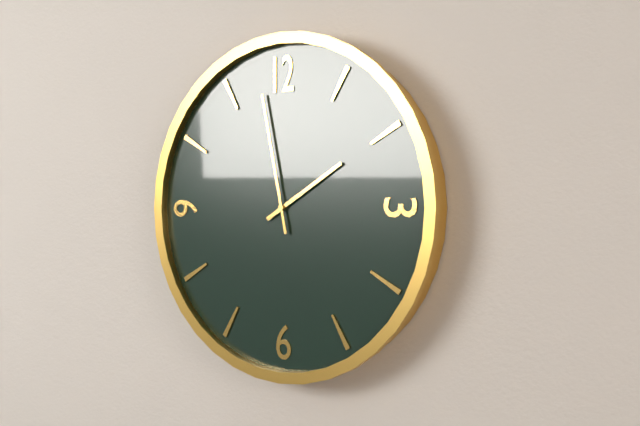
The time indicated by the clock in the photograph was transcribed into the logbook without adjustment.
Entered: 1:58
